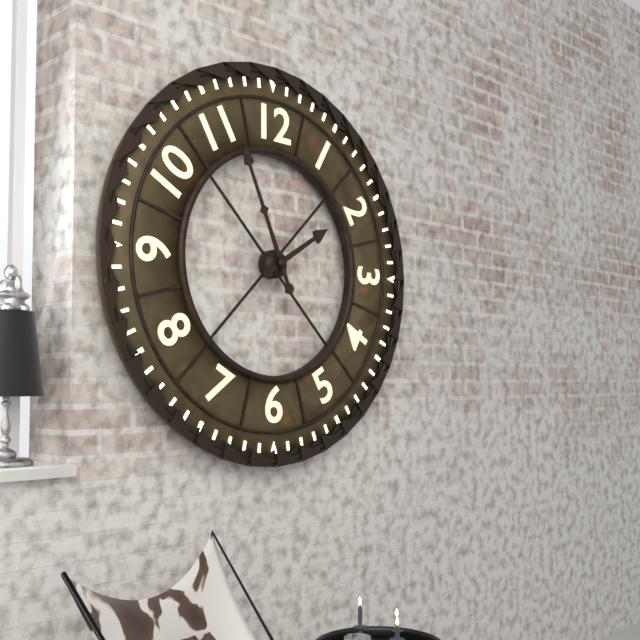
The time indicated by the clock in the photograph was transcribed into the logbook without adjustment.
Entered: 1:56
